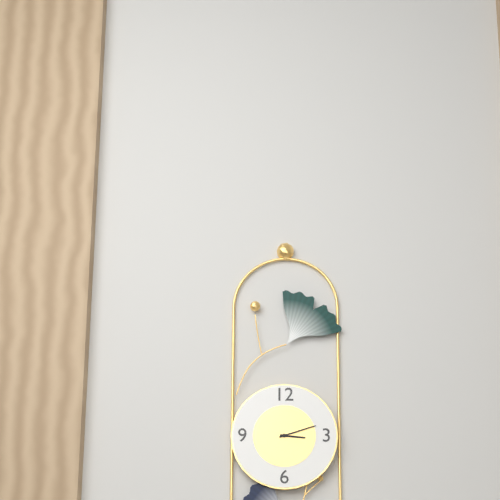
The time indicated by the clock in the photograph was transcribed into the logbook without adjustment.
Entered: 3:12
